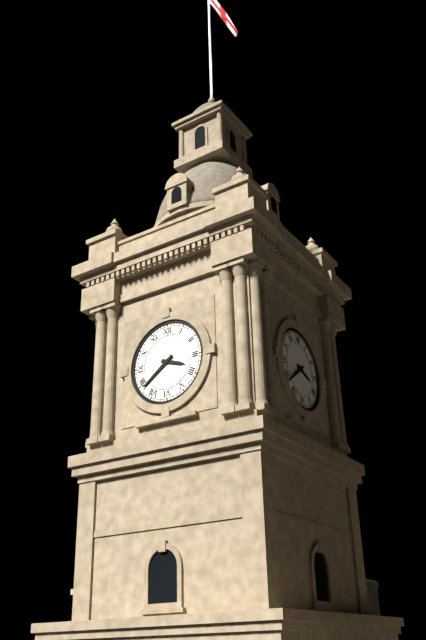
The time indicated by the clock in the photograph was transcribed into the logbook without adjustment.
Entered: 3:39
